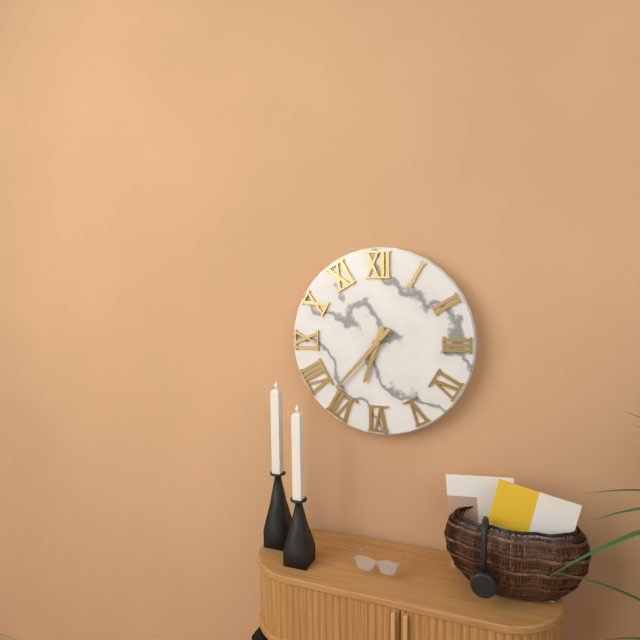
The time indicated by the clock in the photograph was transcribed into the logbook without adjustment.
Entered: 6:37
